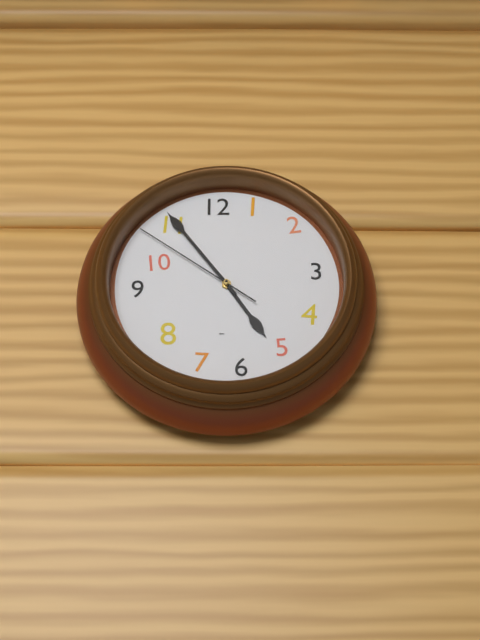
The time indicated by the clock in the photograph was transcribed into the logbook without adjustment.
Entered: 4:54:51
